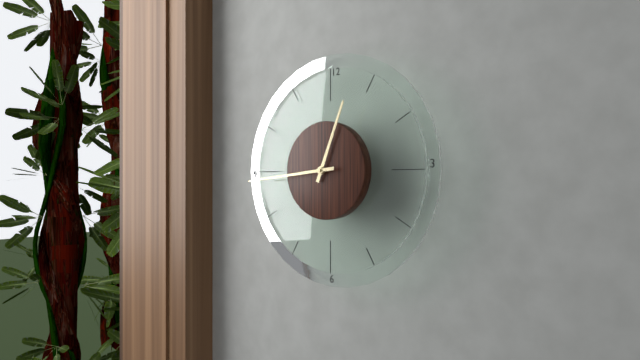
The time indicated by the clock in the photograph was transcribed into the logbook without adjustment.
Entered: 12:44
